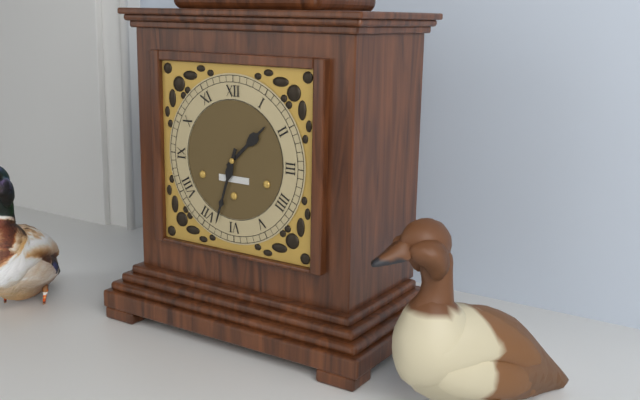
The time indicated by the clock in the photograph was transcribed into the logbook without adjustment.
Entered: 1:33
